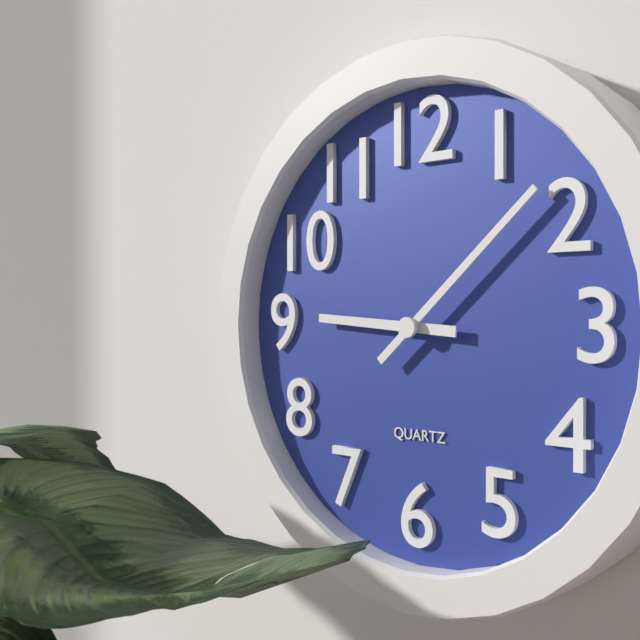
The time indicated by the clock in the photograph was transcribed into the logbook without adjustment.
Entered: 9:08
